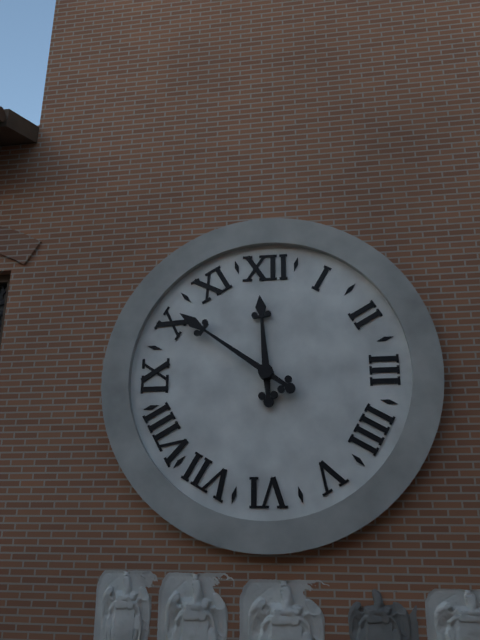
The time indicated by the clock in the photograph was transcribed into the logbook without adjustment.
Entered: 11:51
